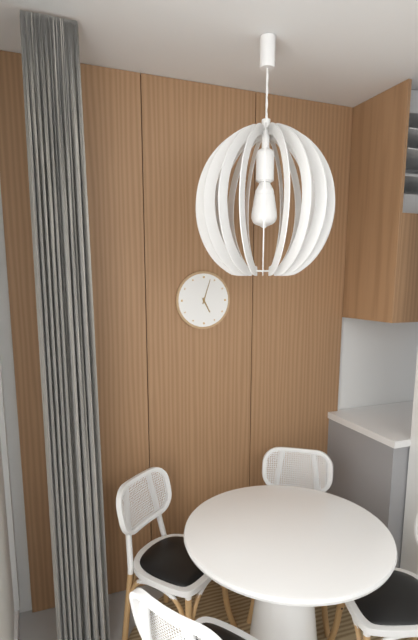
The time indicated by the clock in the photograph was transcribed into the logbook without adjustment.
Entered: 5:03
